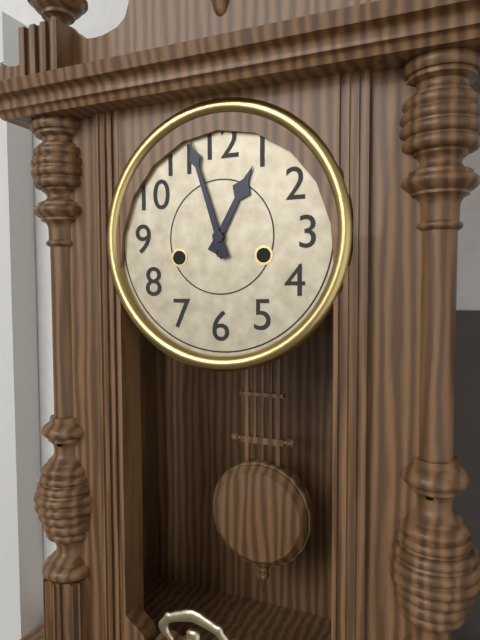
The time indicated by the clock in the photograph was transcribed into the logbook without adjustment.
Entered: 12:57
